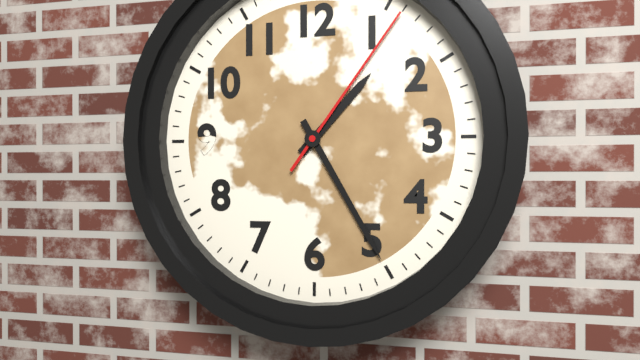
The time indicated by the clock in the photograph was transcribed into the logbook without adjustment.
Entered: 1:25:06
